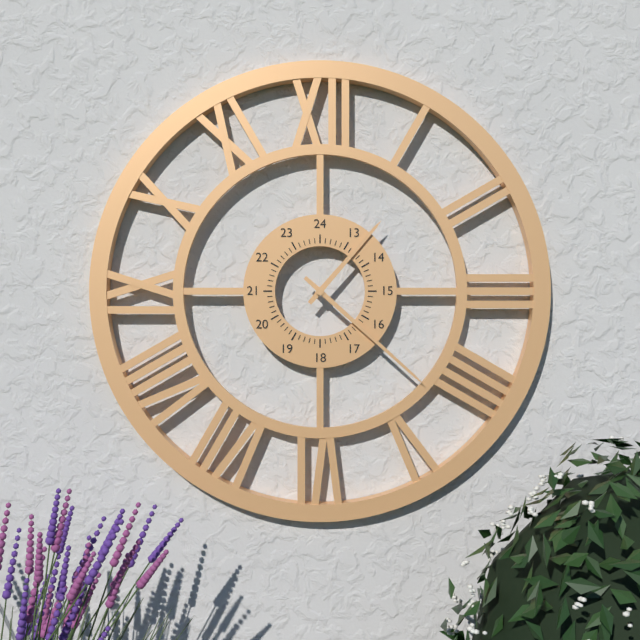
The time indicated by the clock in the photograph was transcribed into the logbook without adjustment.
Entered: 1:22
